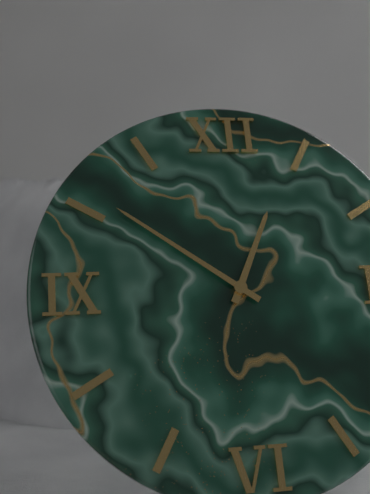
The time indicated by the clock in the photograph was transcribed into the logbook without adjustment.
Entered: 12:51
